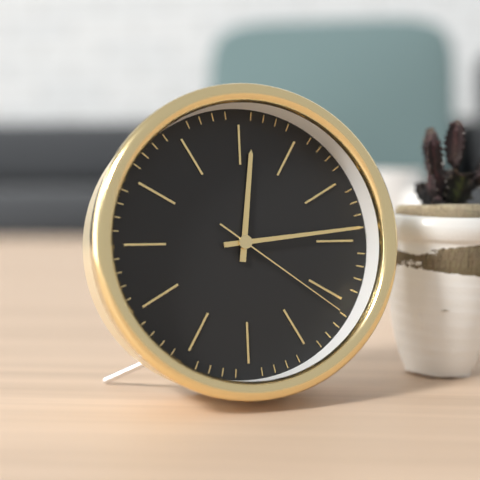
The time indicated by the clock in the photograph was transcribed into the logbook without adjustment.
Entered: 12:14:21
